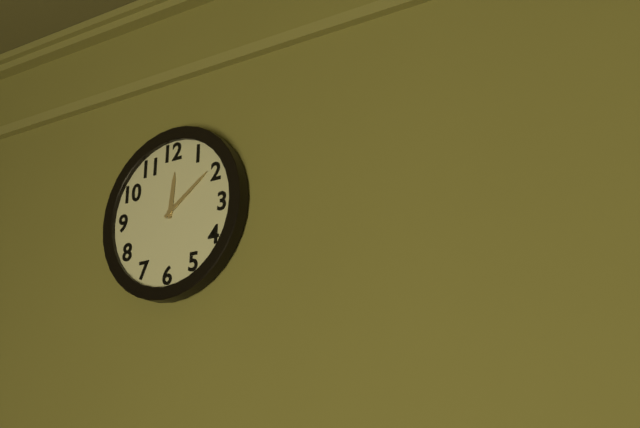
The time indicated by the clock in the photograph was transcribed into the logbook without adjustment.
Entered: 12:09
